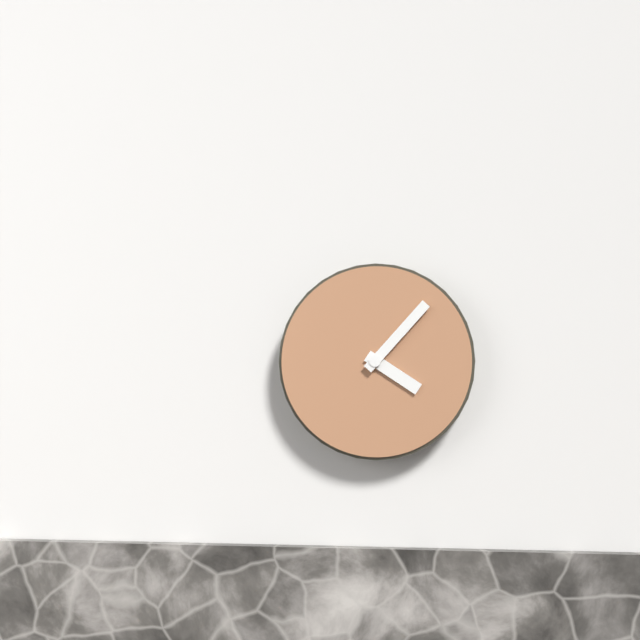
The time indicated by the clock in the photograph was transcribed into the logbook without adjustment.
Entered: 4:07
